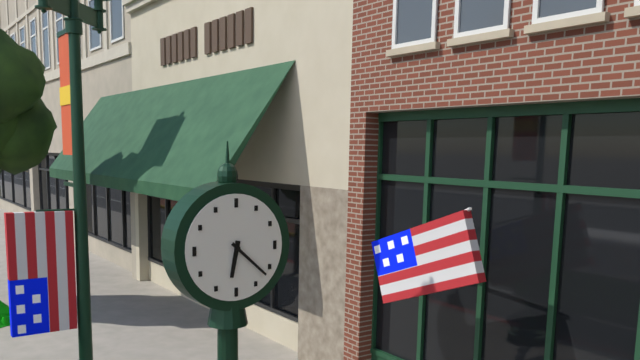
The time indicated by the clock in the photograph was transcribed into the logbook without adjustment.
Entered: 6:22
